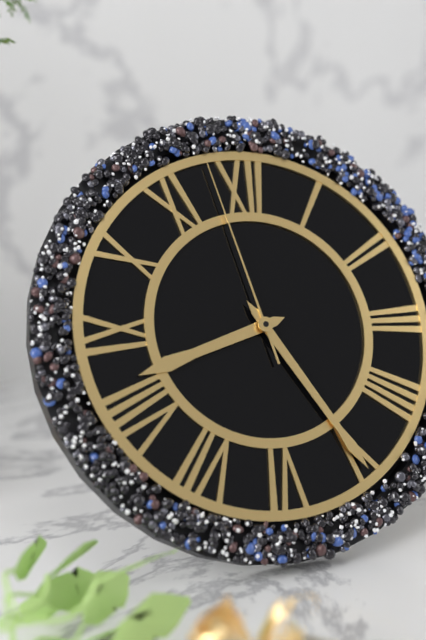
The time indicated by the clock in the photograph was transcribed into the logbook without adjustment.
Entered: 8:25:58
